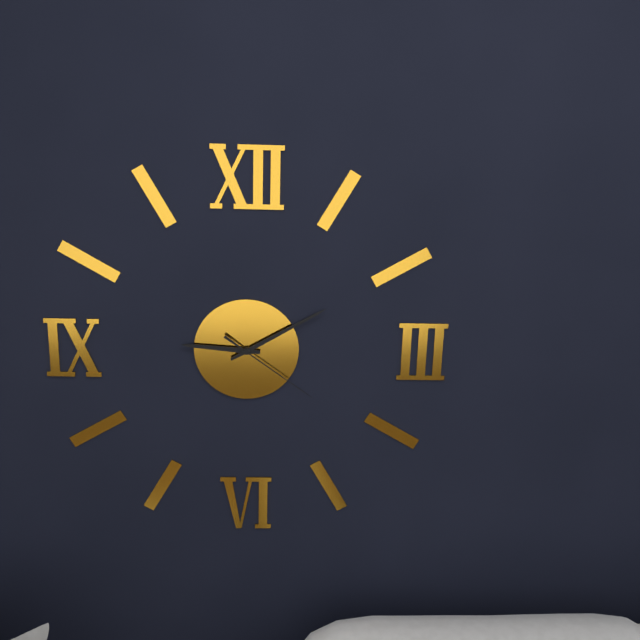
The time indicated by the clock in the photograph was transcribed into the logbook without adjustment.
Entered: 9:10:21
